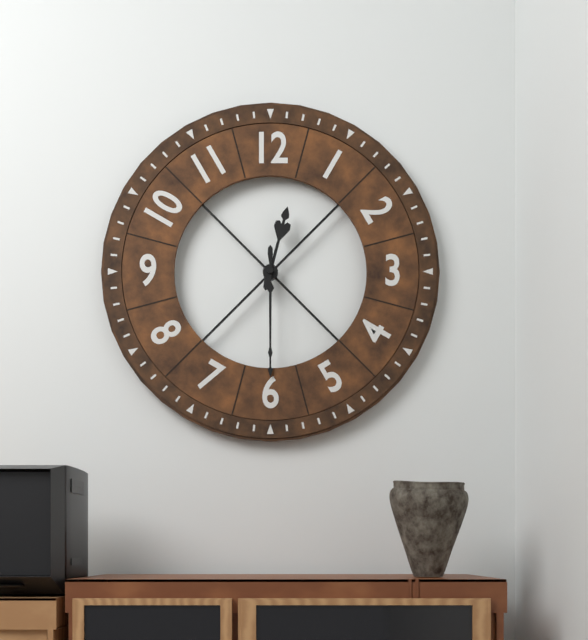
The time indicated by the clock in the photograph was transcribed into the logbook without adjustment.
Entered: 12:30
